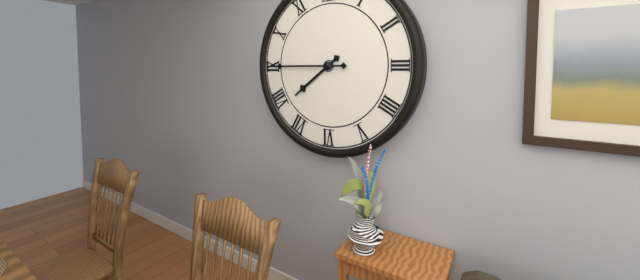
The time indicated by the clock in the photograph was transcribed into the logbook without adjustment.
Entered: 7:45
